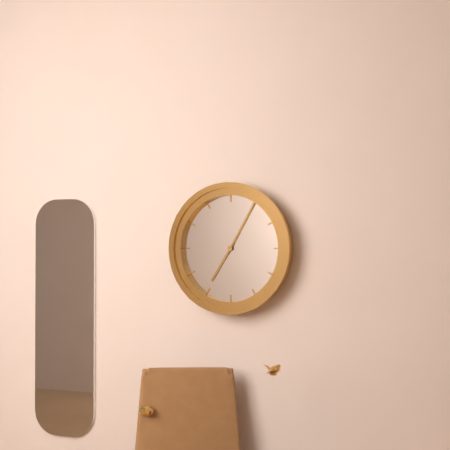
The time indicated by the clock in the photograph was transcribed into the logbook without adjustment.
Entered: 7:05
